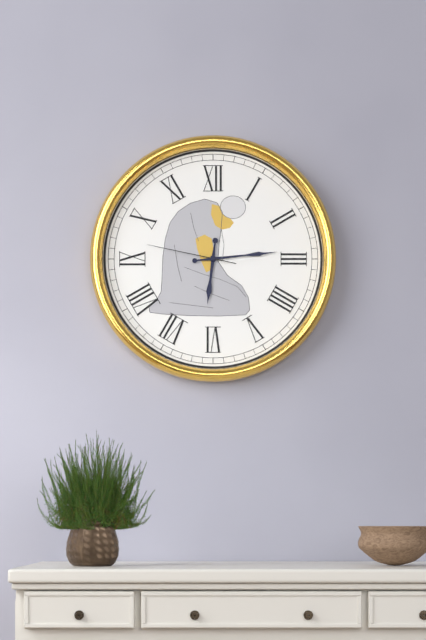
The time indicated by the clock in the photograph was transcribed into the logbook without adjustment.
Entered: 6:14:47
